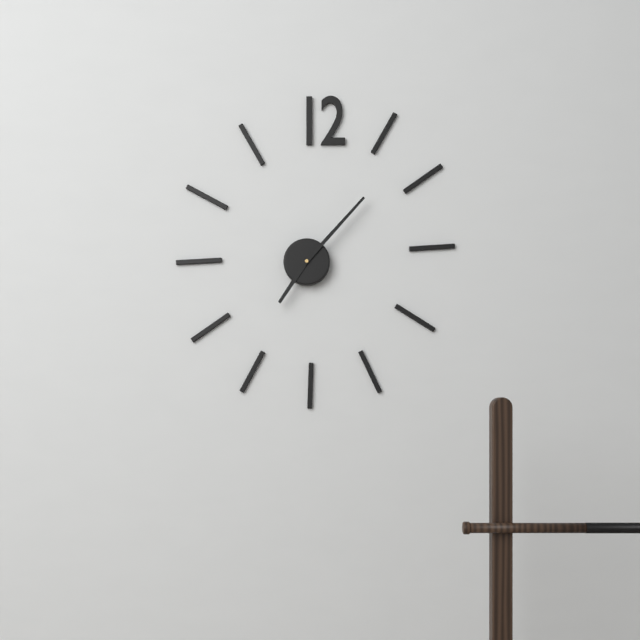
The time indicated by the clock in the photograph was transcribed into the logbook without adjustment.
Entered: 7:07
